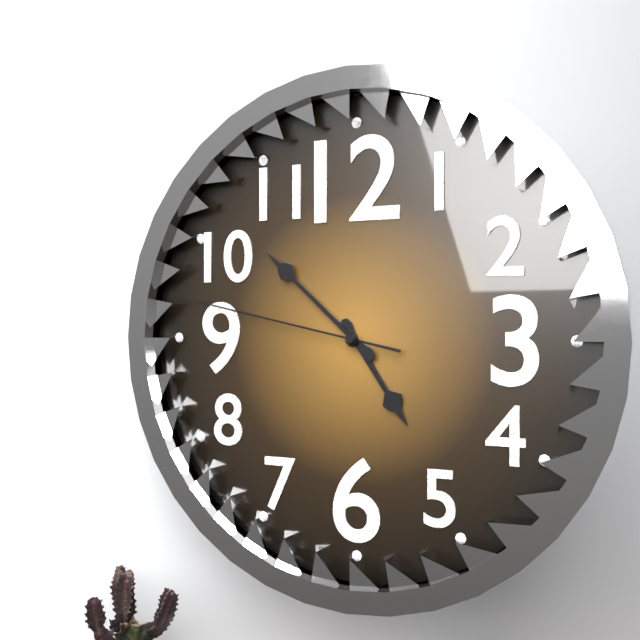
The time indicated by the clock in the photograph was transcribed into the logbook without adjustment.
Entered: 4:52:47
